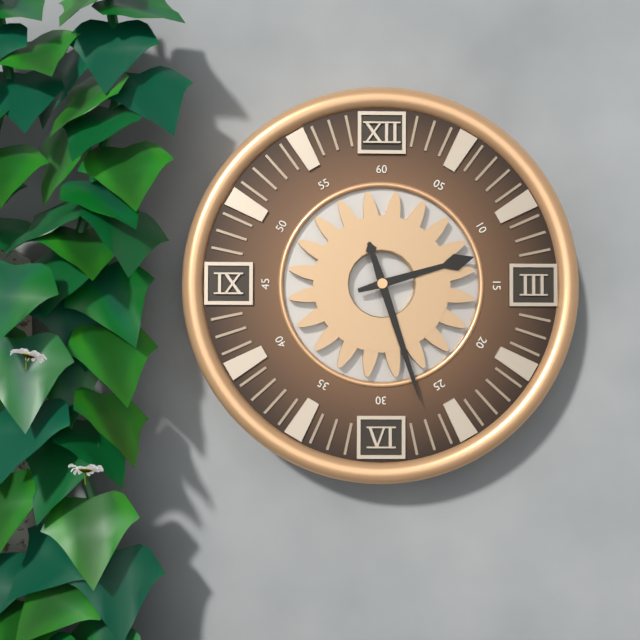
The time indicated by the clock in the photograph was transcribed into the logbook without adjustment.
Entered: 2:27
